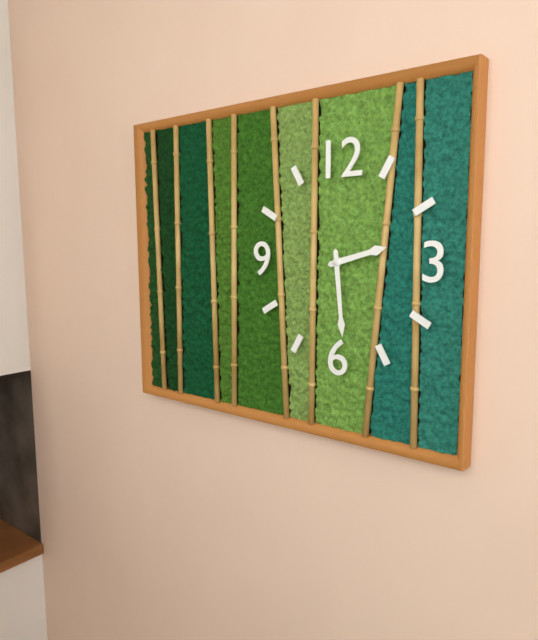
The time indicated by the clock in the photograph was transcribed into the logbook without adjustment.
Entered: 2:29
